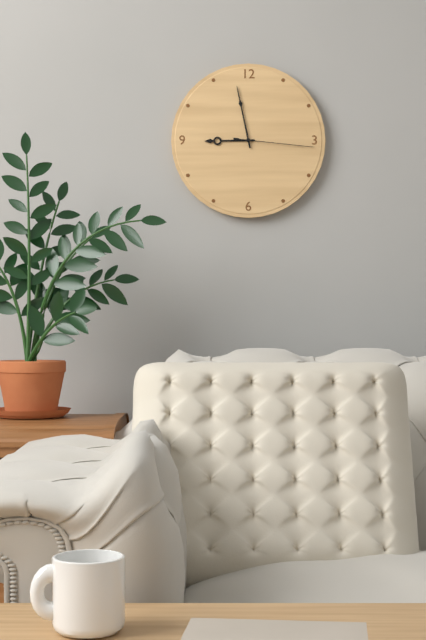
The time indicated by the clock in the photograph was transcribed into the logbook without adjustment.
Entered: 8:58:16
